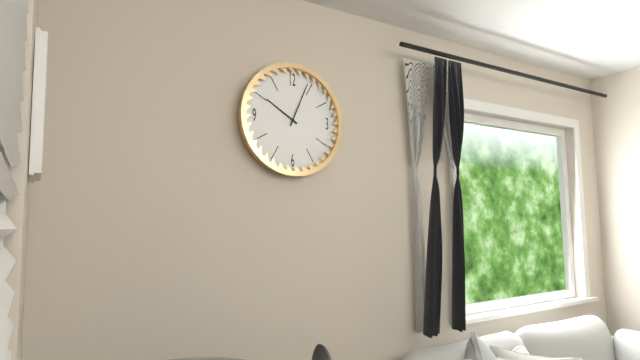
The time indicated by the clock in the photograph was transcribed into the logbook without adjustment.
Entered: 10:04
